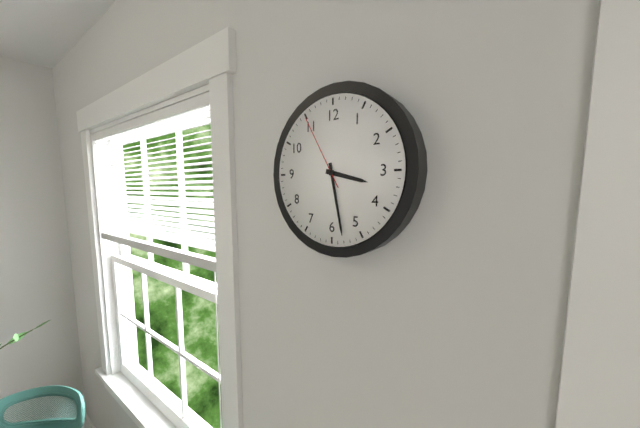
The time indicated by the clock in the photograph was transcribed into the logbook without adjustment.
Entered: 3:28:55
